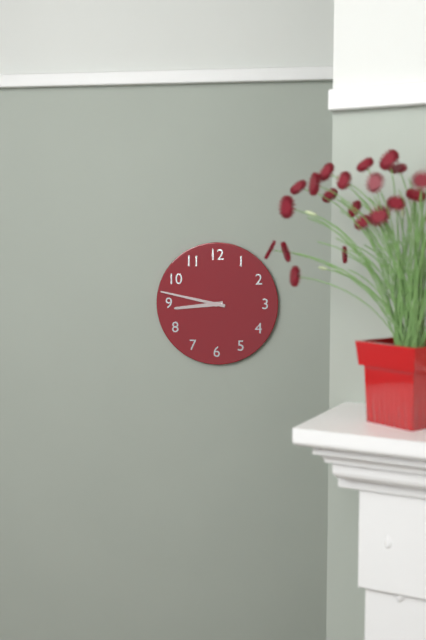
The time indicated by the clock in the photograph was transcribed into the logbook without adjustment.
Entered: 8:47
